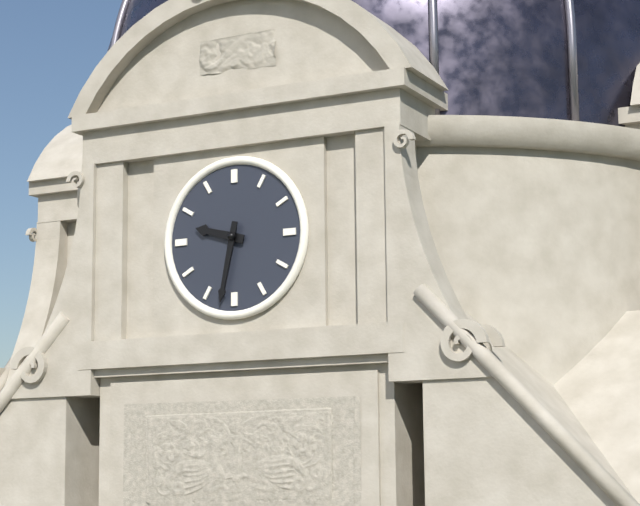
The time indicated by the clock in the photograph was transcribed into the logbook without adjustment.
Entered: 9:32
